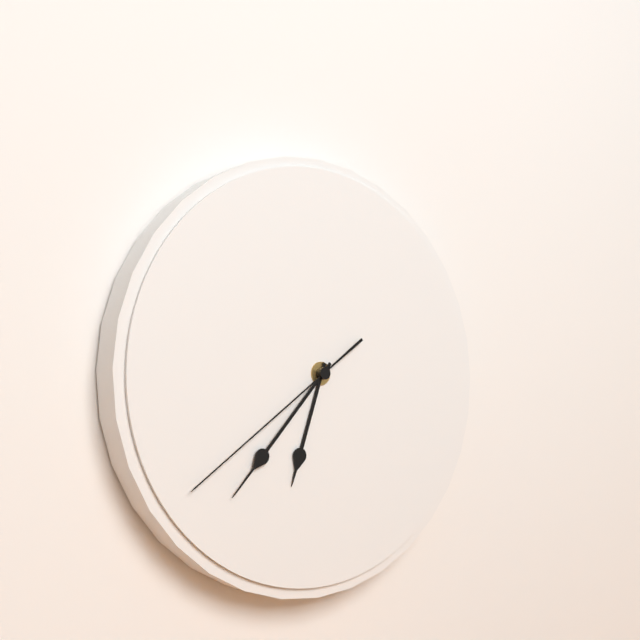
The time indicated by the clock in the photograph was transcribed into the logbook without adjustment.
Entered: 6:37:39
